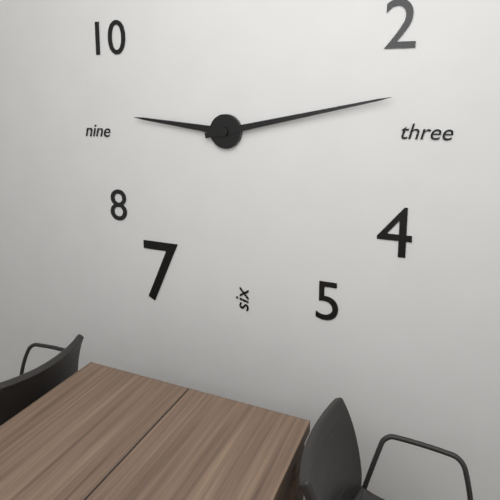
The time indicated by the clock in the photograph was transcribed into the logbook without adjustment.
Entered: 9:13
